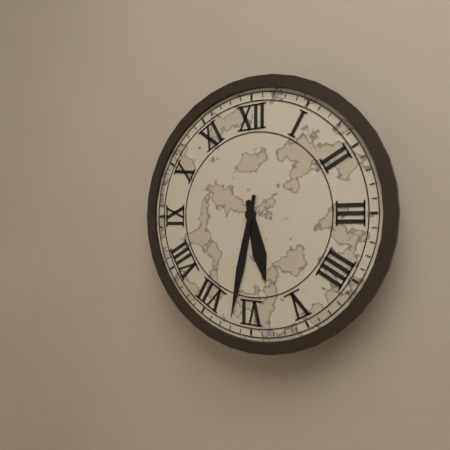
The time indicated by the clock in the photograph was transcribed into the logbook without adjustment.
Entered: 5:32
